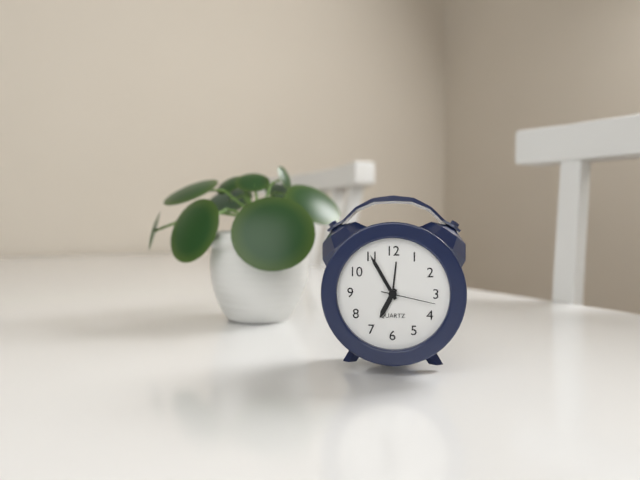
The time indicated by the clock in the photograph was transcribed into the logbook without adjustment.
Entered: 6:55:17
